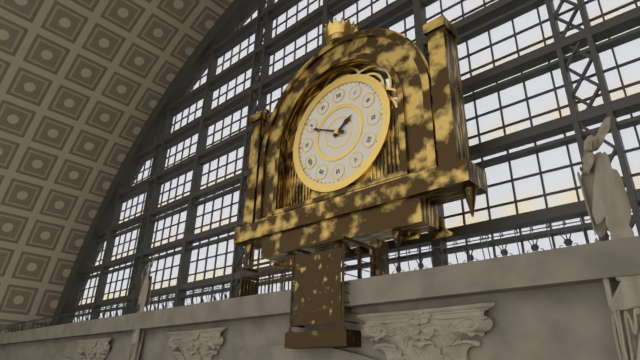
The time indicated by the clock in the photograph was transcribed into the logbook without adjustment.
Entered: 1:49
